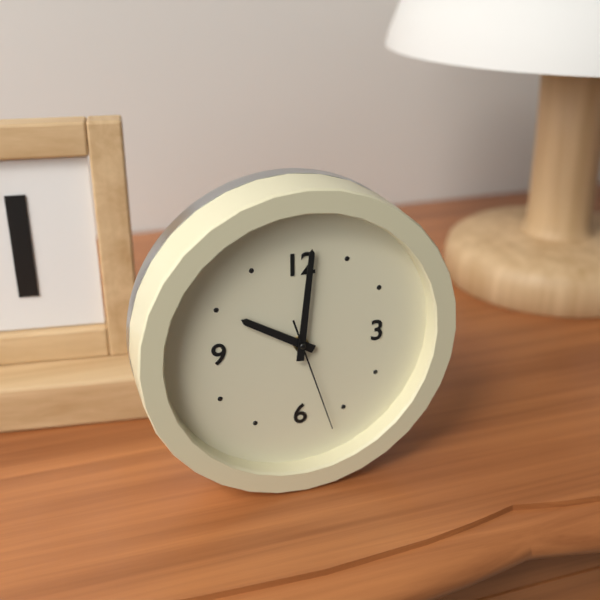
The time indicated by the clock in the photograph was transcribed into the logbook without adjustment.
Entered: 10:01:27
